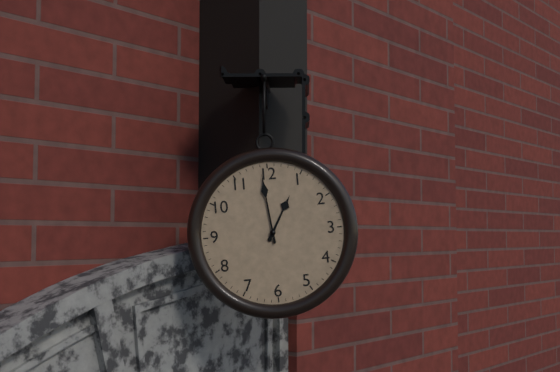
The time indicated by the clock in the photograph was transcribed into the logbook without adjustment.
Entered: 12:59
